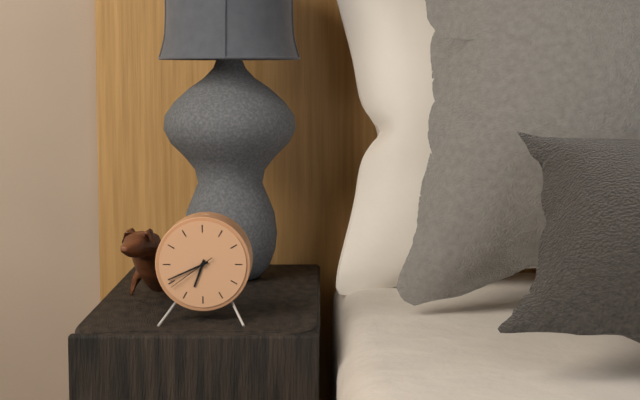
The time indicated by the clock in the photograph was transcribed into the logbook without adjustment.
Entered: 6:41
